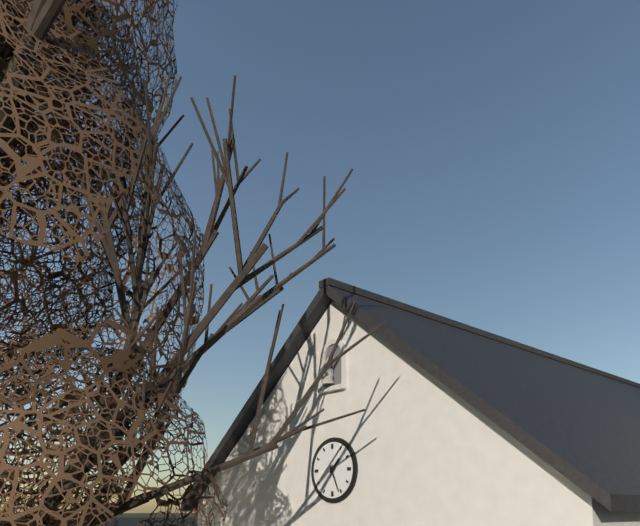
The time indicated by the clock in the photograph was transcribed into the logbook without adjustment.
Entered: 1:26
